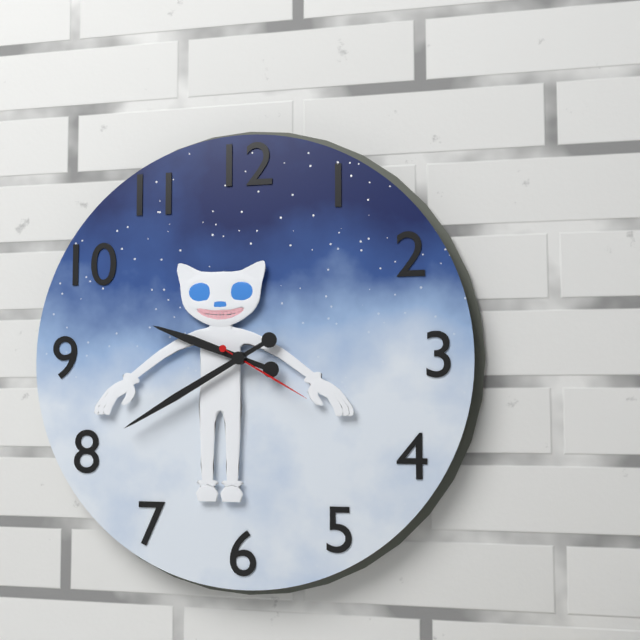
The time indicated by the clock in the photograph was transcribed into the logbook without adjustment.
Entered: 9:40:20
